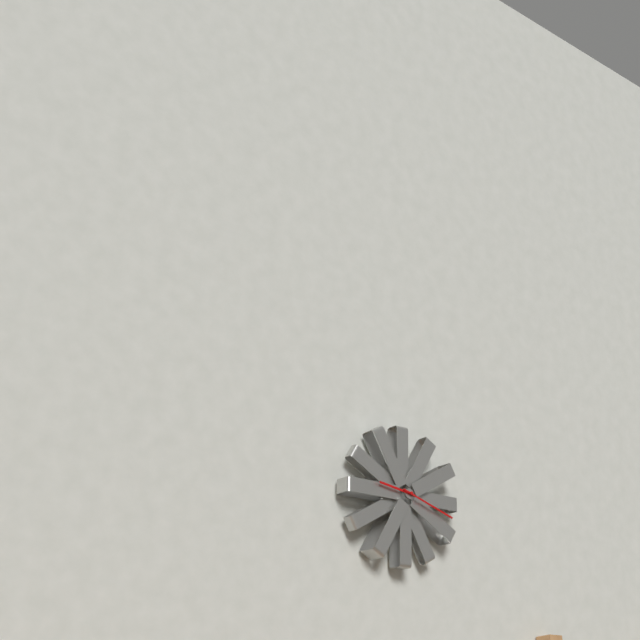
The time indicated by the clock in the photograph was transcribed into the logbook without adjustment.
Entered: 9:18
